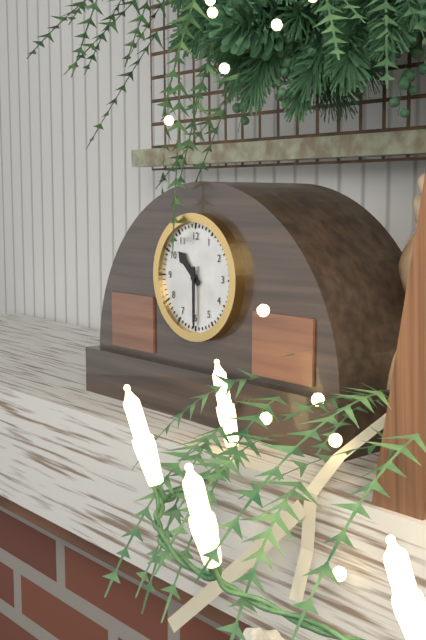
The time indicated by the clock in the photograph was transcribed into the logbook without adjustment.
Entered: 10:30
